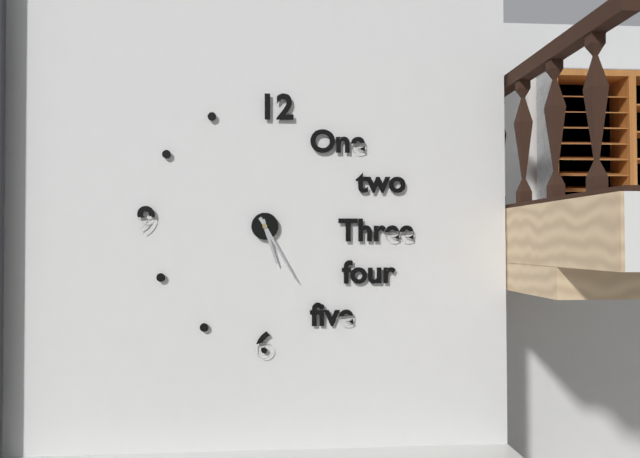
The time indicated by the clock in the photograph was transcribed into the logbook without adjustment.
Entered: 5:25
